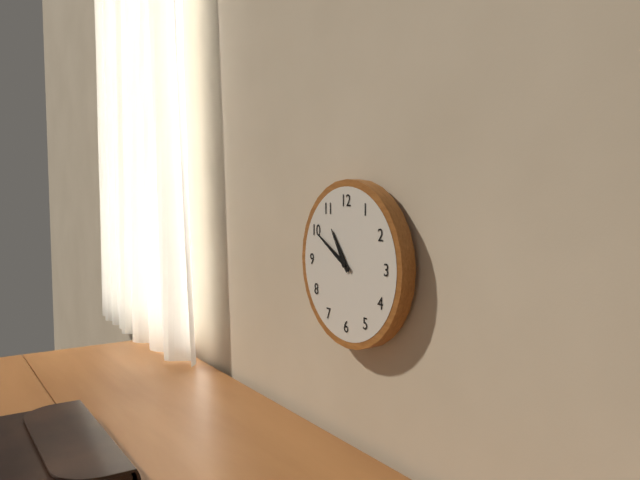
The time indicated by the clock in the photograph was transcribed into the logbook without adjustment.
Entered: 10:50
